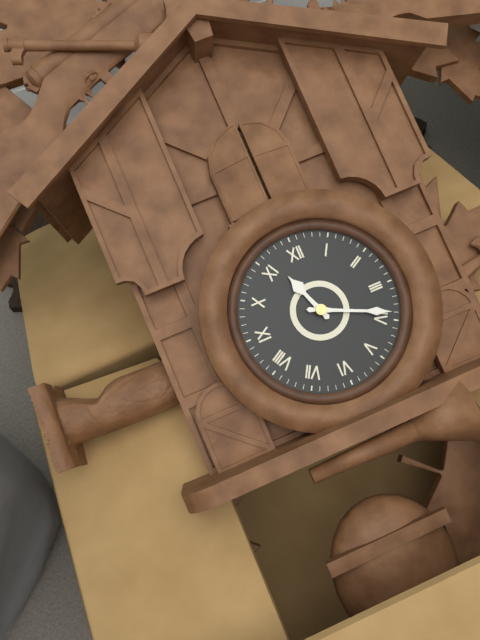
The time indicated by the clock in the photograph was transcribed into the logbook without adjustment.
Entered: 11:19
